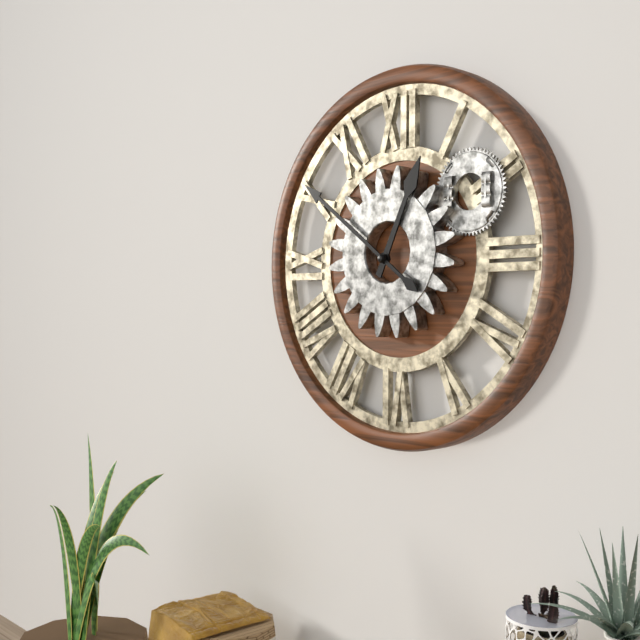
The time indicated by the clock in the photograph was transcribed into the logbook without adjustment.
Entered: 12:51
